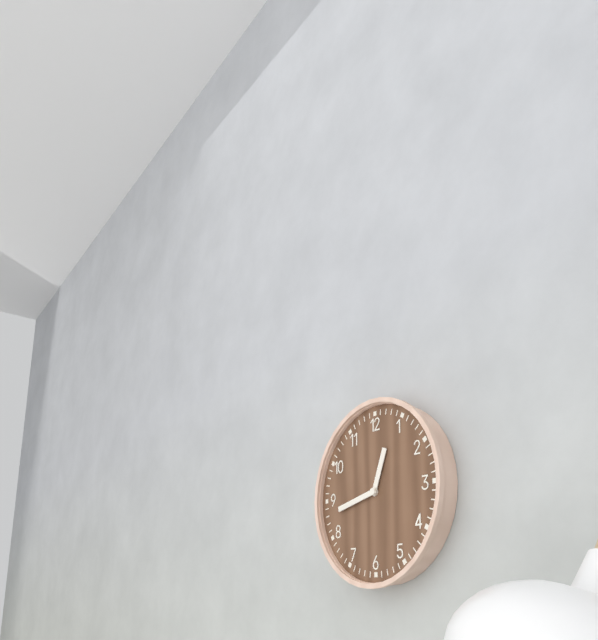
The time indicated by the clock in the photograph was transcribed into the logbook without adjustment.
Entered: 12:43
